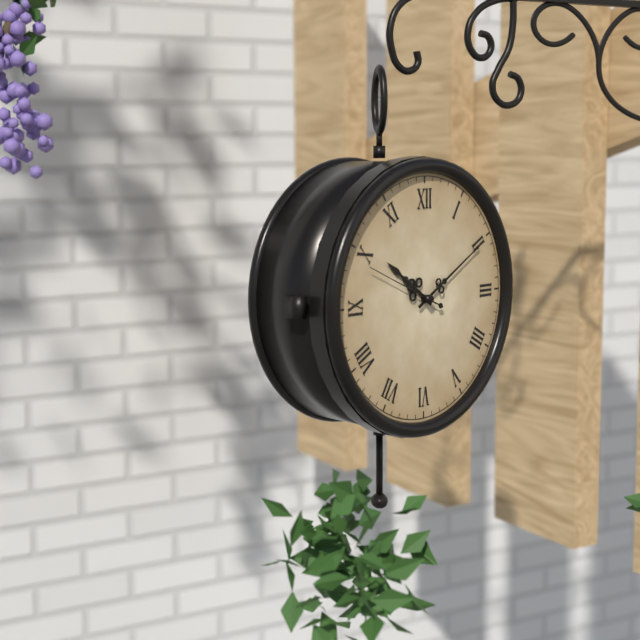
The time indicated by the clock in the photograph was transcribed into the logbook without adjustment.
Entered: 10:10
